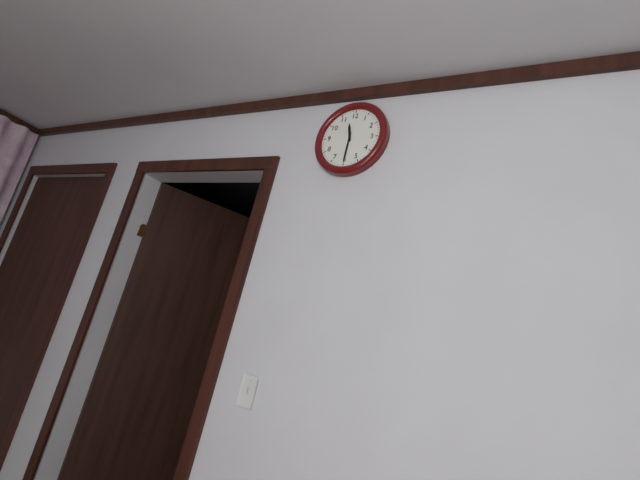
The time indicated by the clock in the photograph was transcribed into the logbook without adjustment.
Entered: 11:30
